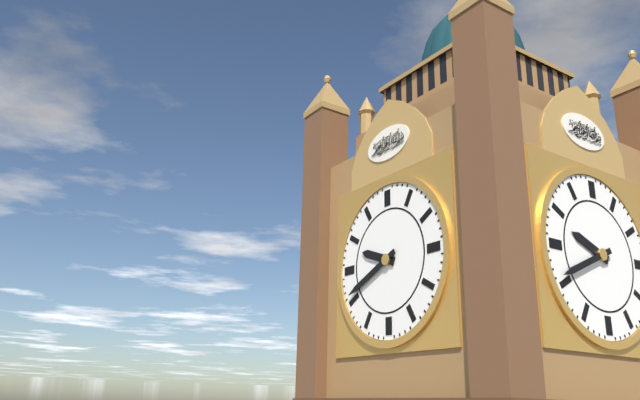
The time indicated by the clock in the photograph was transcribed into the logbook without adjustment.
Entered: 9:41
